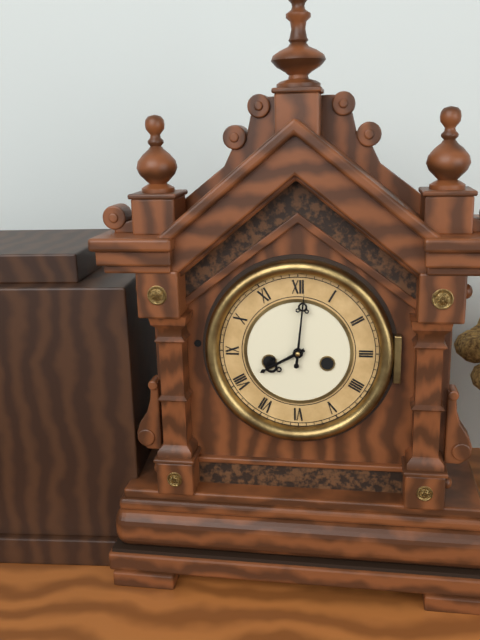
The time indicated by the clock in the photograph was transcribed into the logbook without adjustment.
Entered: 8:01
